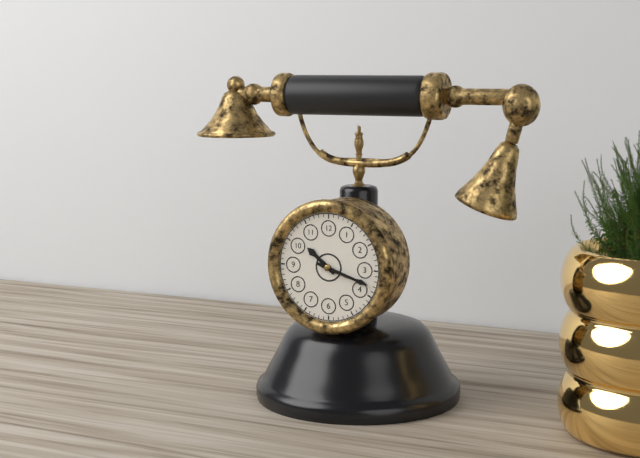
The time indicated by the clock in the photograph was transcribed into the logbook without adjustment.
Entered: 10:18
